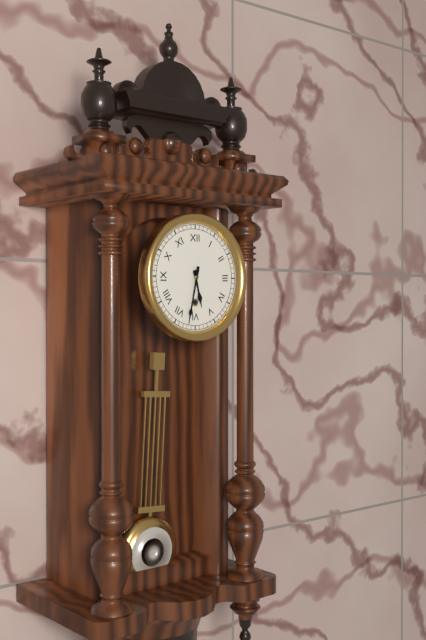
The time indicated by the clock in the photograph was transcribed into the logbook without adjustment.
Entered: 5:32
